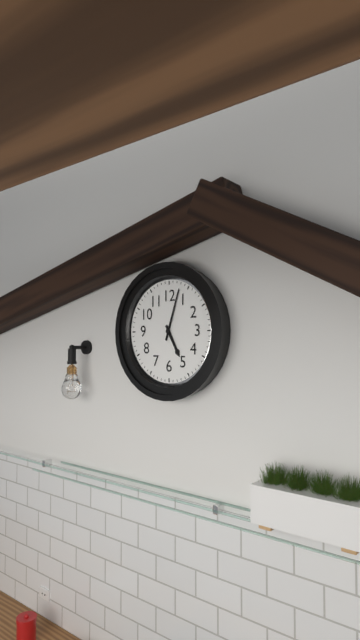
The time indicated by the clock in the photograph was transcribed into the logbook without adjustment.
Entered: 5:03
